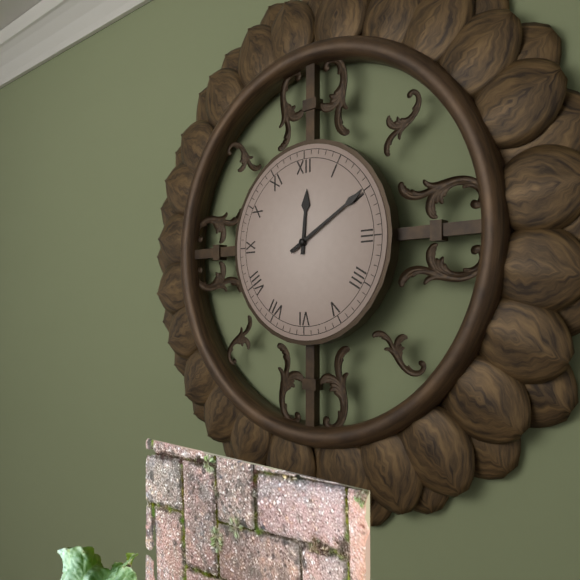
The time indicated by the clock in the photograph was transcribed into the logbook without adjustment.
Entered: 12:10
